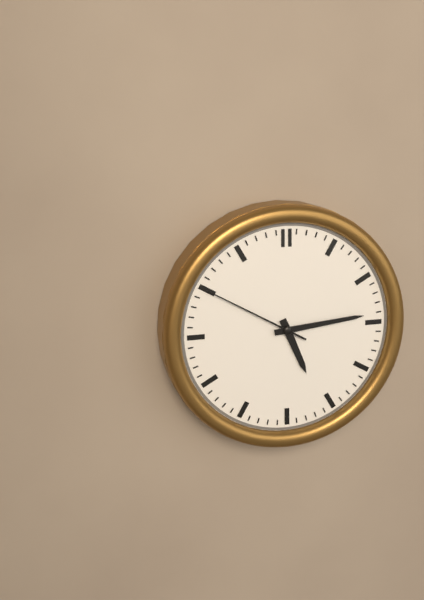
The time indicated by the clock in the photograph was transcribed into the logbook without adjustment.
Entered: 5:14:50
